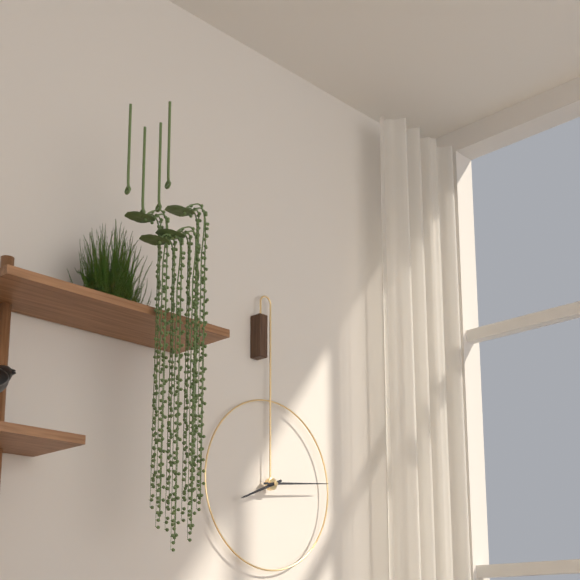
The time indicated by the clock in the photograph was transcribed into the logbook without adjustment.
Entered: 8:14
